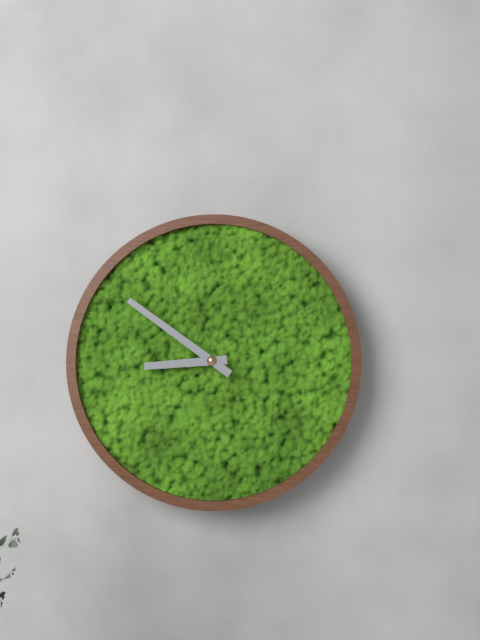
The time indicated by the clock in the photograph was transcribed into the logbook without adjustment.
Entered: 8:51
